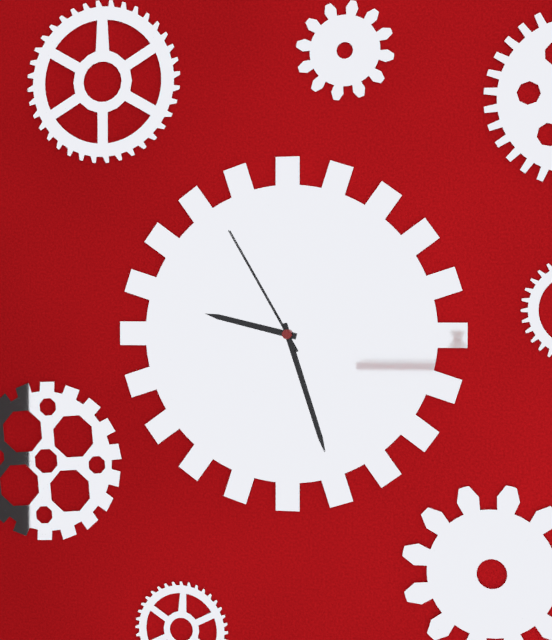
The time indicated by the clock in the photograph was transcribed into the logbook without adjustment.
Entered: 9:27:55
